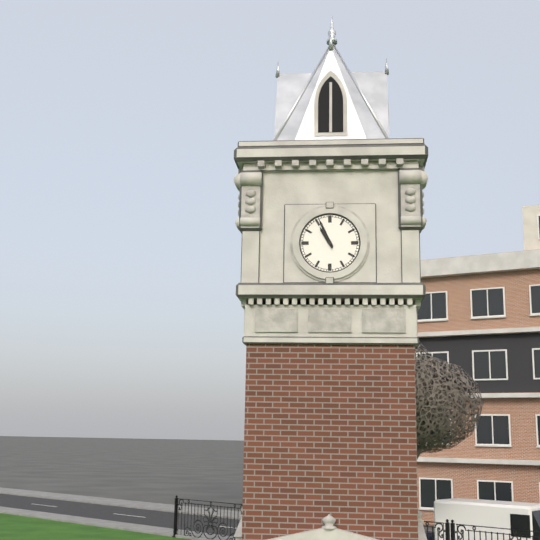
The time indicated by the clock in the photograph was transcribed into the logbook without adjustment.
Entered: 10:56
